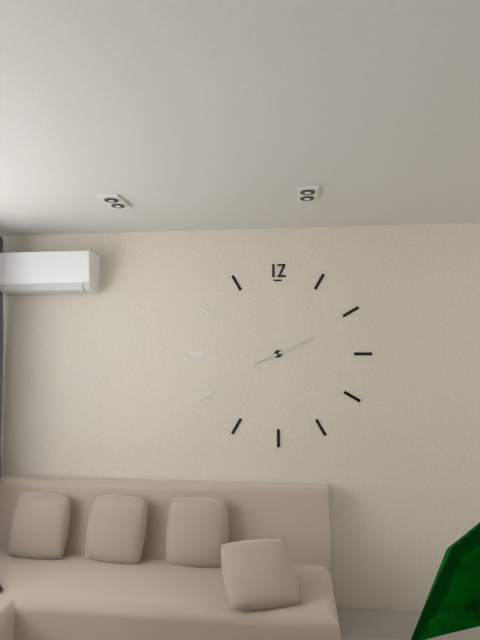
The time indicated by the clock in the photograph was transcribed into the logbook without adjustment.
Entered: 8:11
